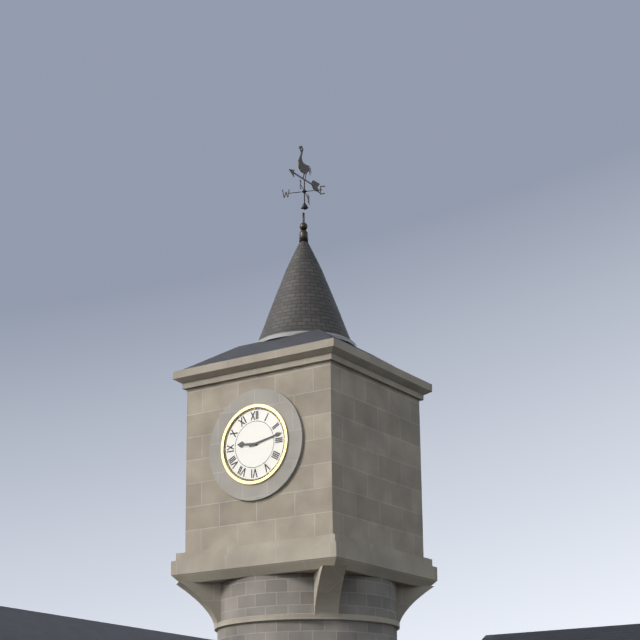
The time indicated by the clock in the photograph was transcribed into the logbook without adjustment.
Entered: 9:13
